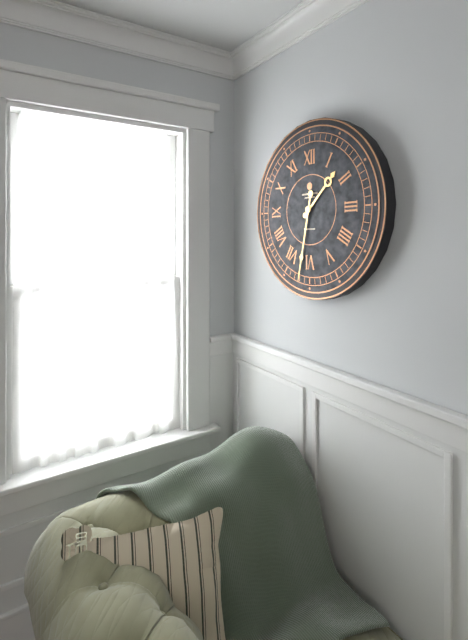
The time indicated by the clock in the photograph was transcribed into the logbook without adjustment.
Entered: 1:32
